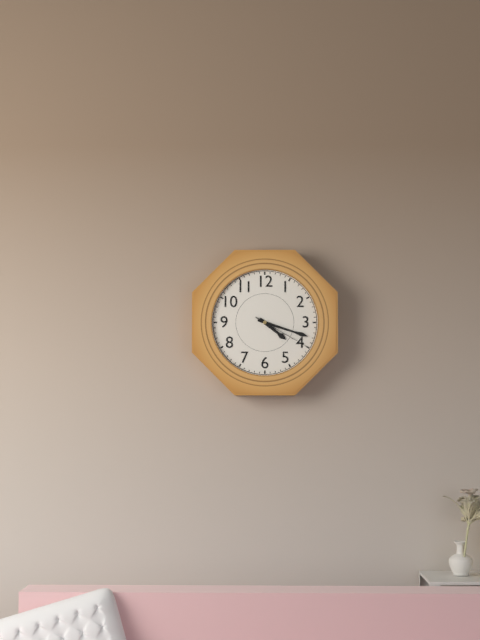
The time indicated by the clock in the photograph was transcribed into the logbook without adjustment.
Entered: 4:18:20
